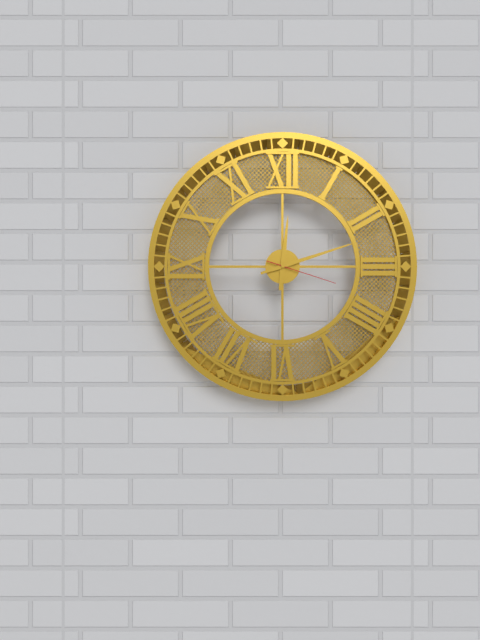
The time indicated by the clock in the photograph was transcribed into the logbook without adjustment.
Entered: 12:12:18
